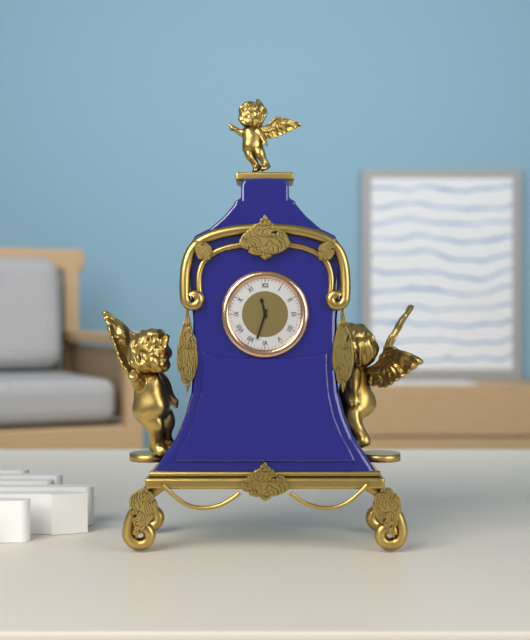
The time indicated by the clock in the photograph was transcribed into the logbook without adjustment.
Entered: 11:33
